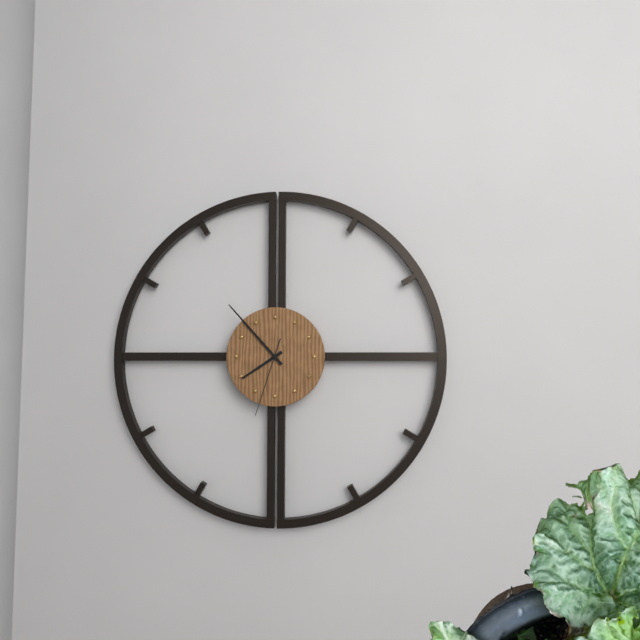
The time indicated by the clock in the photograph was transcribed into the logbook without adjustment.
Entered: 7:53:33
